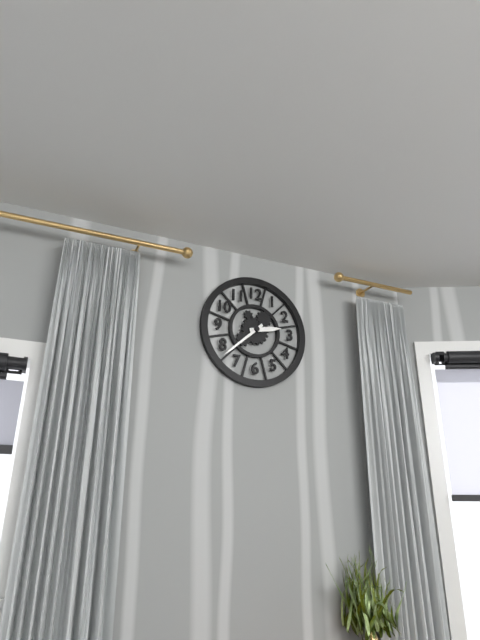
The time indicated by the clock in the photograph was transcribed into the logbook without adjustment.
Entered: 2:38
